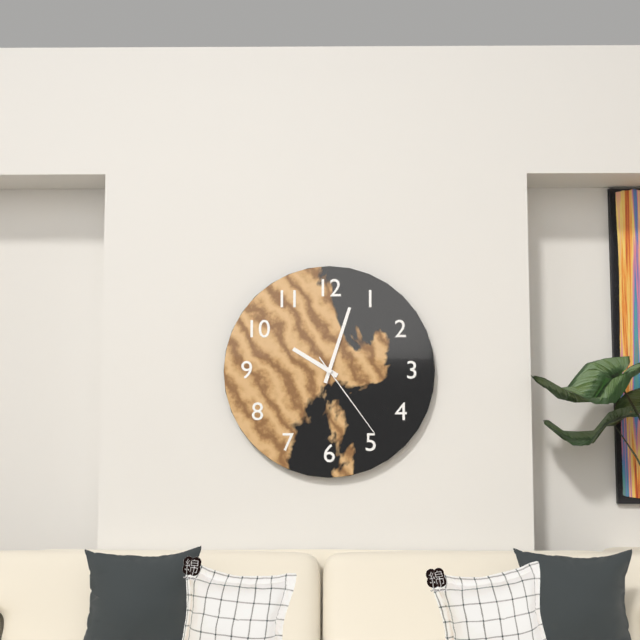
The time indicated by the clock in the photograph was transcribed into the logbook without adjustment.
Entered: 10:03:24
